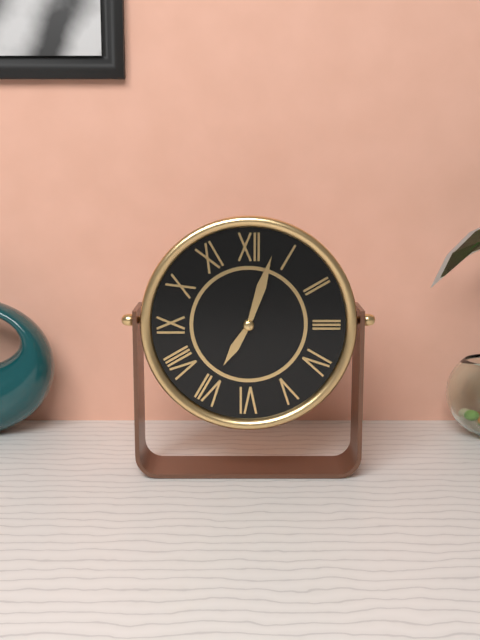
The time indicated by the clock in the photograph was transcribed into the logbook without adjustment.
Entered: 7:03
